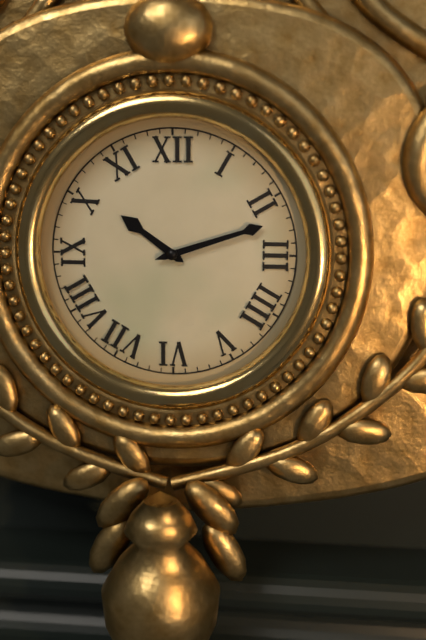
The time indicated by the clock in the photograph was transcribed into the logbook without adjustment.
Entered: 10:12
